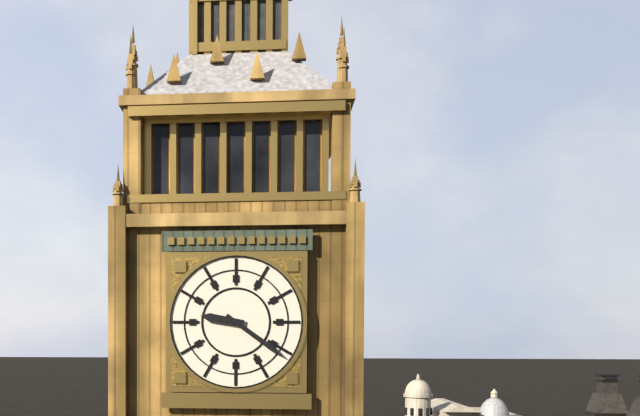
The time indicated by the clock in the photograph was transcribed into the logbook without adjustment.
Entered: 9:21
